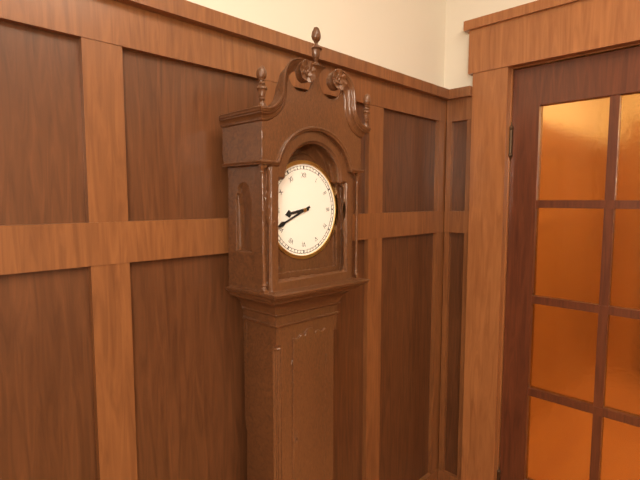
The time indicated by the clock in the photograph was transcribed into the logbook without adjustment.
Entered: 8:41
